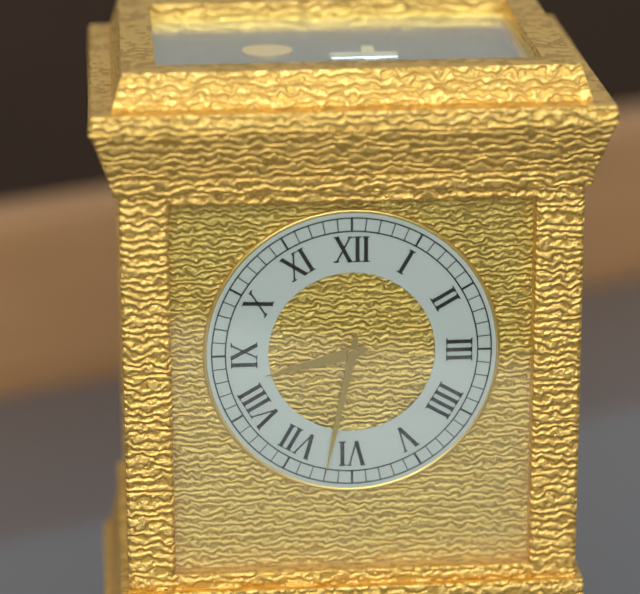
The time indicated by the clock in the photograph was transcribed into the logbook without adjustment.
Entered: 8:32
